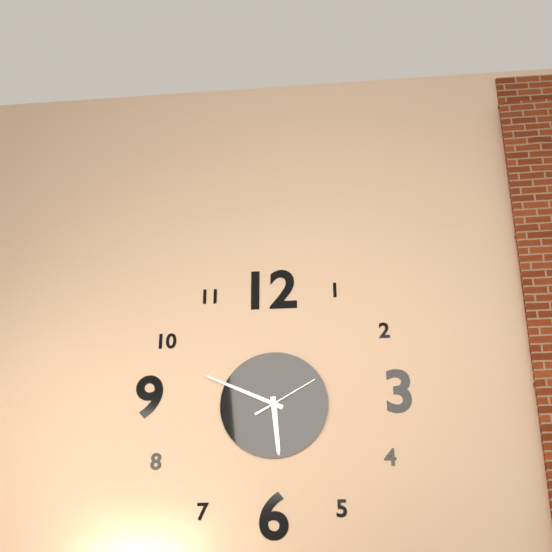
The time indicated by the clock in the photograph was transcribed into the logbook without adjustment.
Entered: 5:49:10
